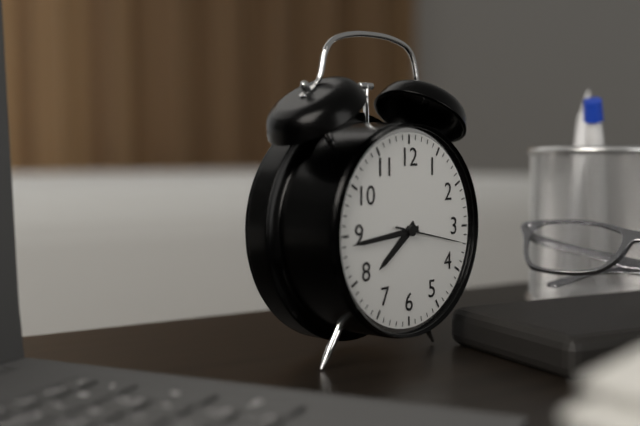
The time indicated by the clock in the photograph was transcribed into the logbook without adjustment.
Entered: 7:44:17
